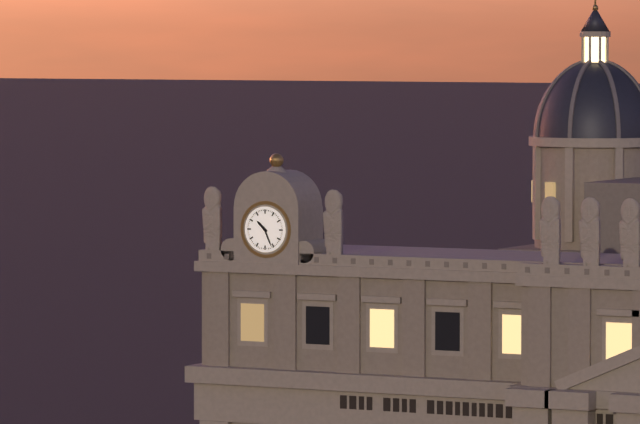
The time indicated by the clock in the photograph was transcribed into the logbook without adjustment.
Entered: 10:26
